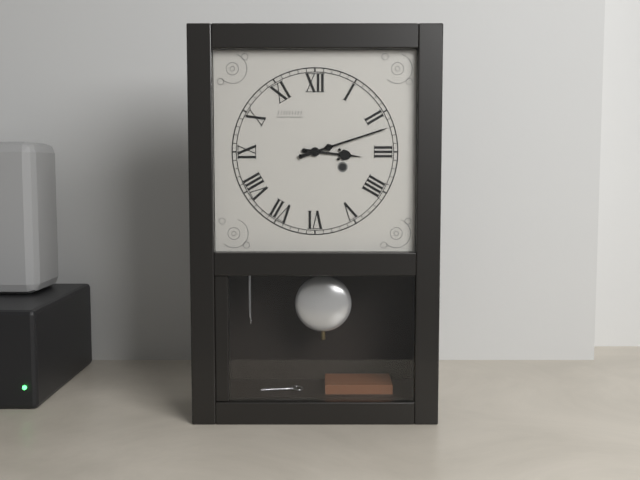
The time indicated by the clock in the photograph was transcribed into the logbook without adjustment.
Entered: 3:12
